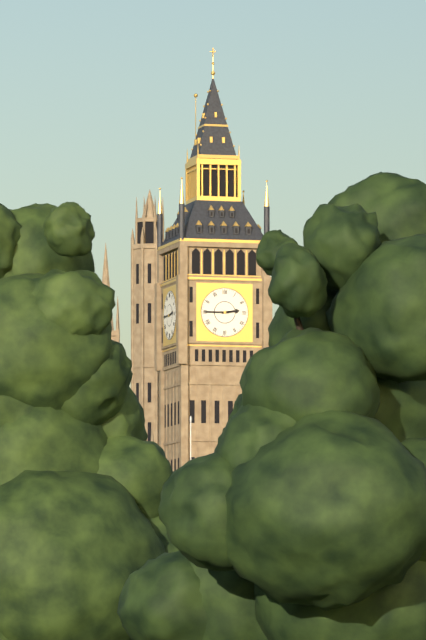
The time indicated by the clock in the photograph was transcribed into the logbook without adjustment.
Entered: 2:45
